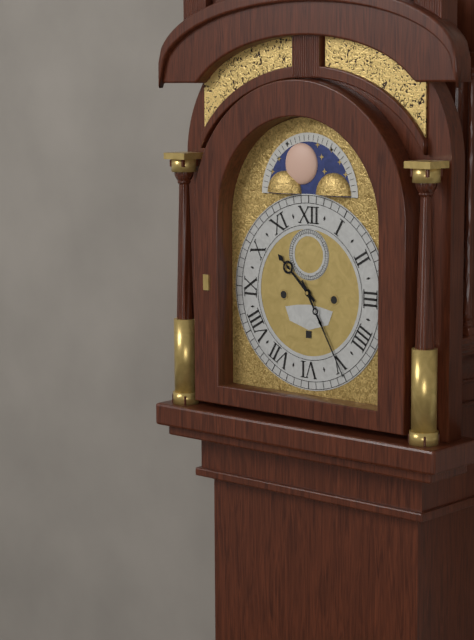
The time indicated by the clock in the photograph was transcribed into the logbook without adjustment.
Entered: 10:25
